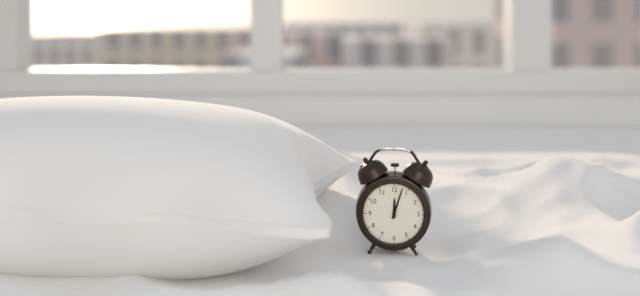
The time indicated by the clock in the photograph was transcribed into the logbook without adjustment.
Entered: 12:03
